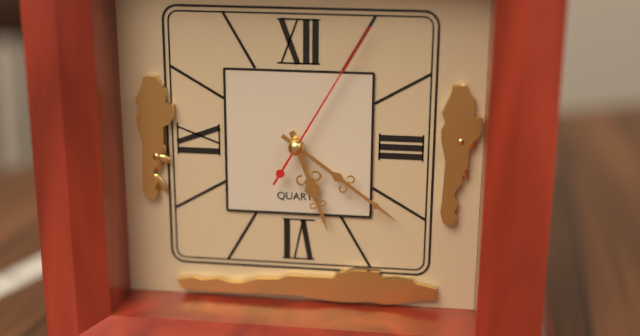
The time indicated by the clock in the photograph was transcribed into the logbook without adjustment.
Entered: 5:21:05
